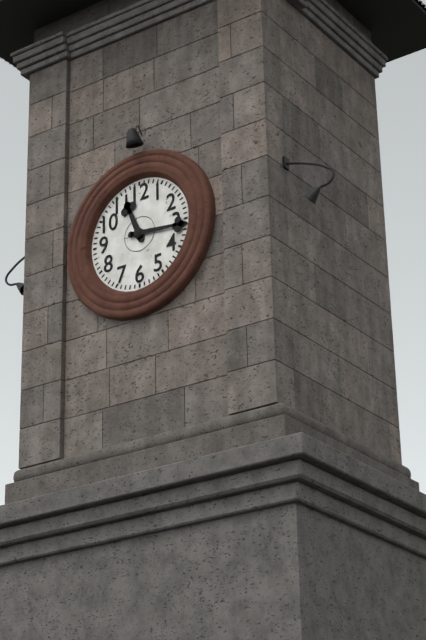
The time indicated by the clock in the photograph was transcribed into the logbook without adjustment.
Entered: 11:16
